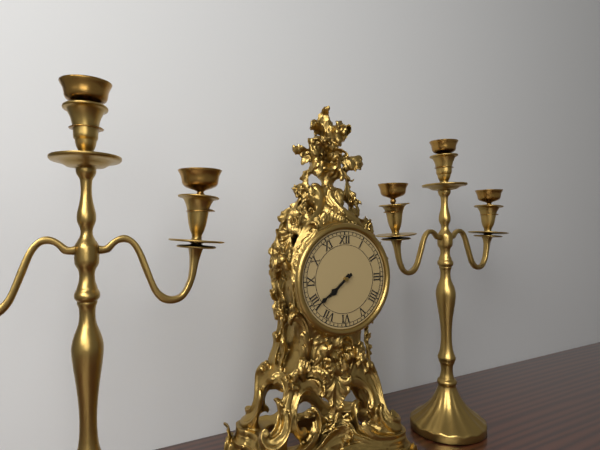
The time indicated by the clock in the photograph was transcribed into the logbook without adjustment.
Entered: 7:39
